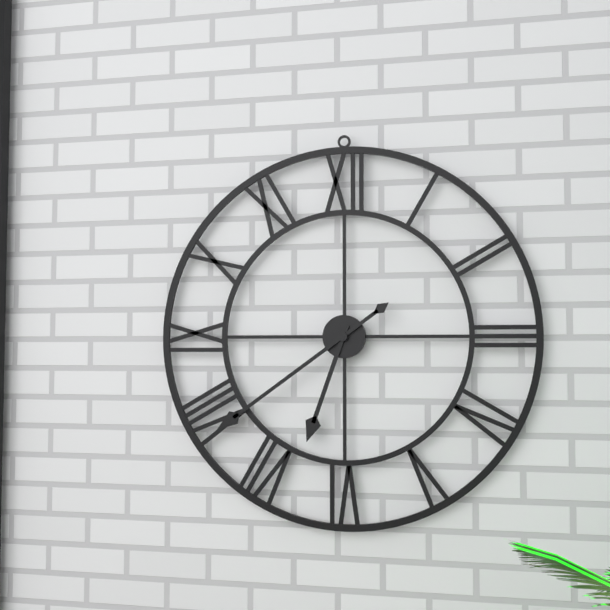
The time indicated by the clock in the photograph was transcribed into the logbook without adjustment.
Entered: 6:39
